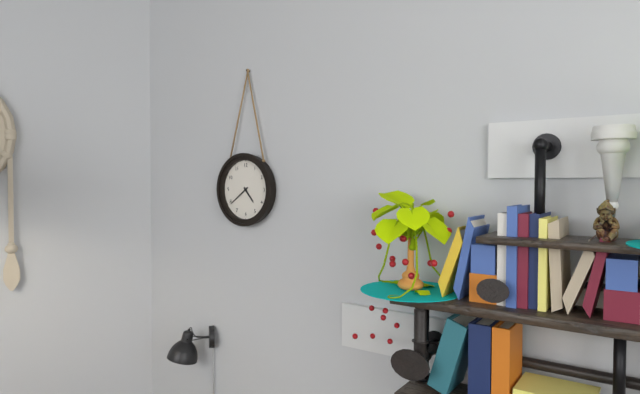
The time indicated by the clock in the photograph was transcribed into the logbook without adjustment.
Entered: 4:39
